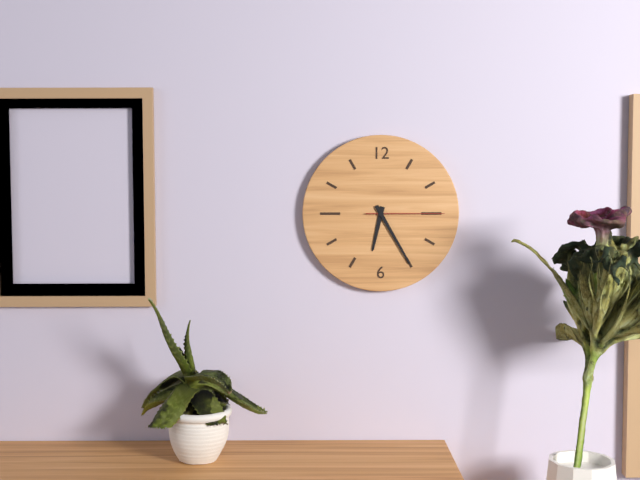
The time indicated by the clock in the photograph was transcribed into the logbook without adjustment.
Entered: 6:25:15
